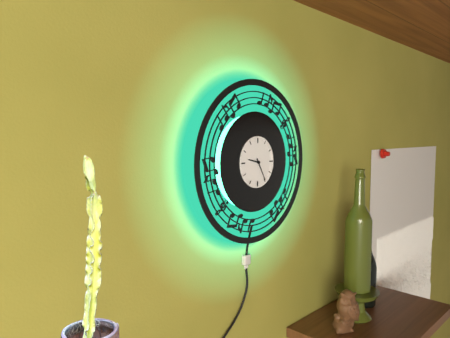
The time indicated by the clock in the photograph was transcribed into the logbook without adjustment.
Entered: 9:25
